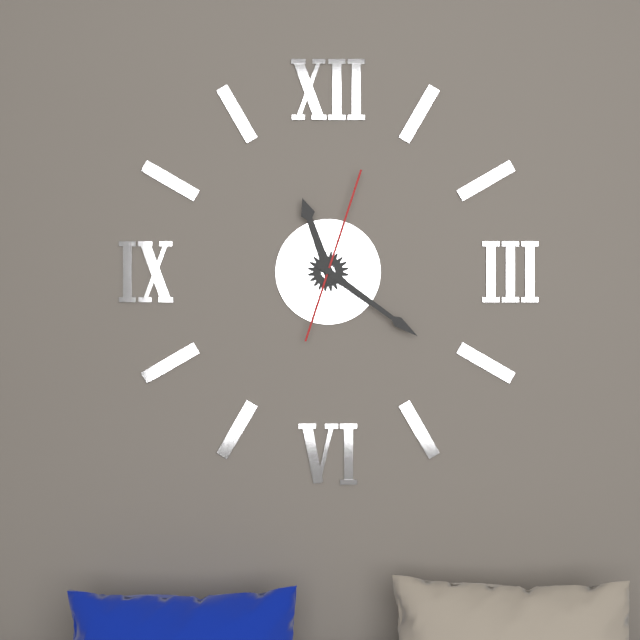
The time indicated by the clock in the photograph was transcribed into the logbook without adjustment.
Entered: 11:21:03
